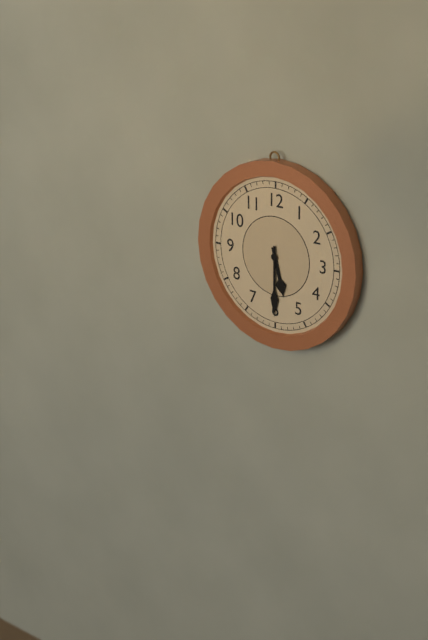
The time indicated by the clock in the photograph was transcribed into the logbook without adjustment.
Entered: 5:30
